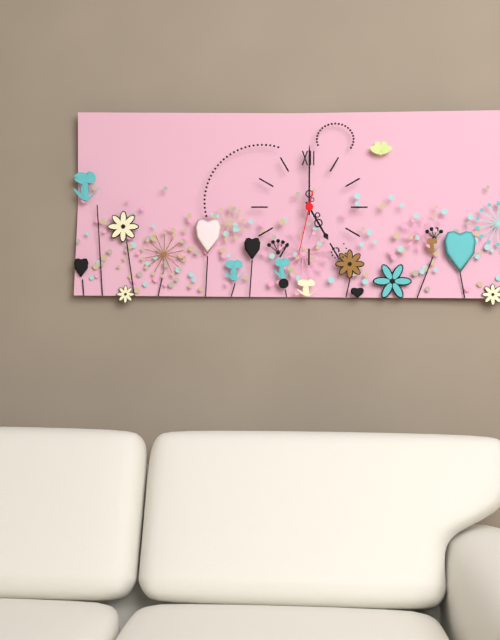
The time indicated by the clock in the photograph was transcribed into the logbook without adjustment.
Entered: 5:00:32
